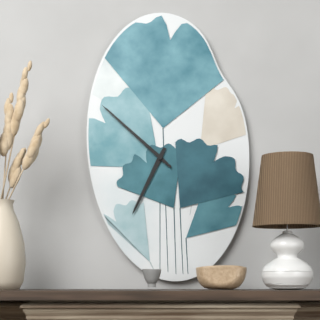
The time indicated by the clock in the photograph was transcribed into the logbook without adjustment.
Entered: 6:52
